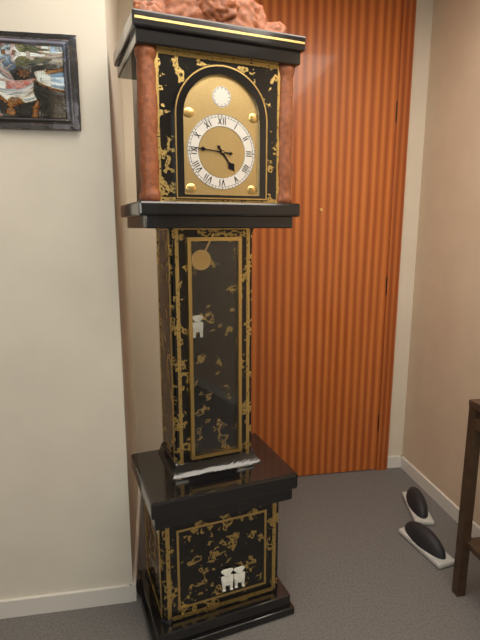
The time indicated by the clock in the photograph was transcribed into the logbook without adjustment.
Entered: 4:46
